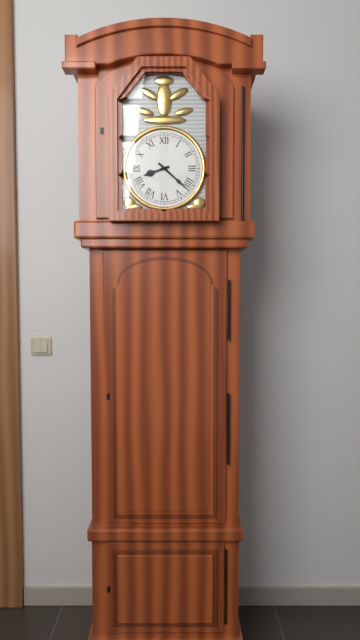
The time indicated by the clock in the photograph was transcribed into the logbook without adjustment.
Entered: 8:22
